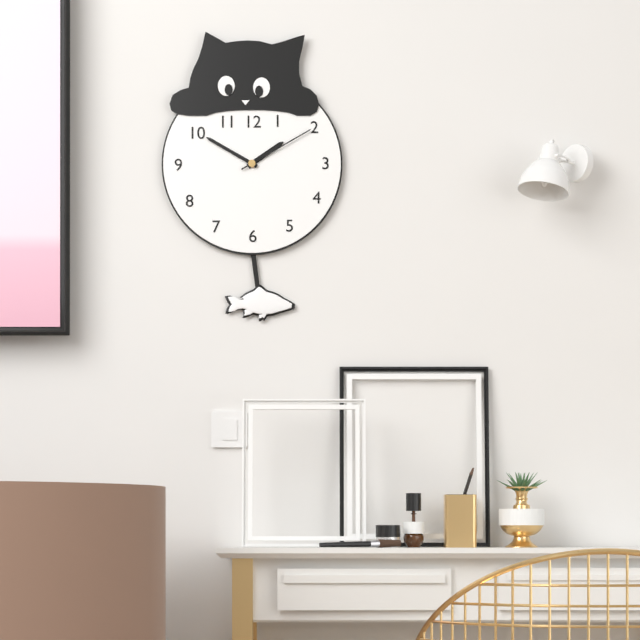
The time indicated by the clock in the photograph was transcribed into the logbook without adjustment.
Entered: 1:50:10
